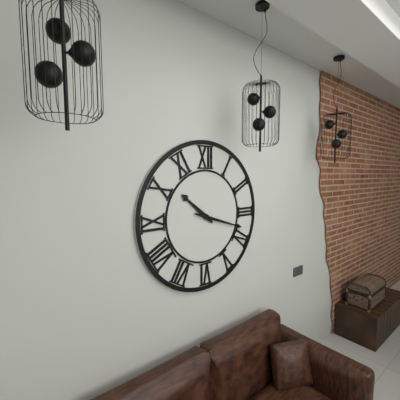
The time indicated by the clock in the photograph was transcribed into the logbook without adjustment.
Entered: 10:18
